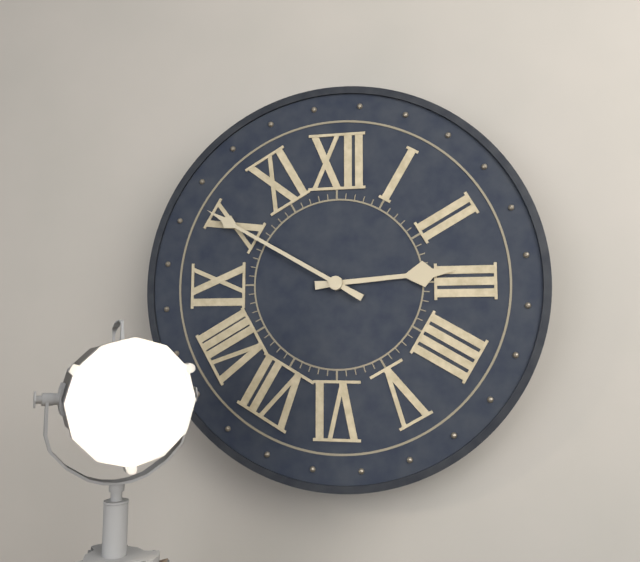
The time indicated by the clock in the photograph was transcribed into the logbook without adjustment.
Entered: 2:50
